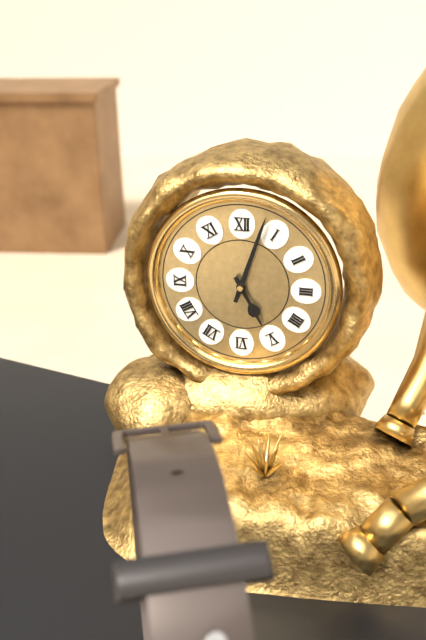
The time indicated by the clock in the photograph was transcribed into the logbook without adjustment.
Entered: 5:03
